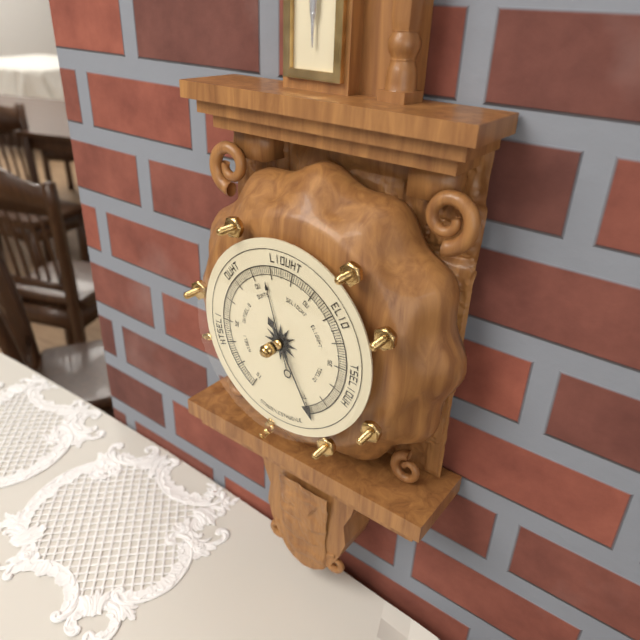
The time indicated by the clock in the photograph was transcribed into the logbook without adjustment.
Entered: 11:25
